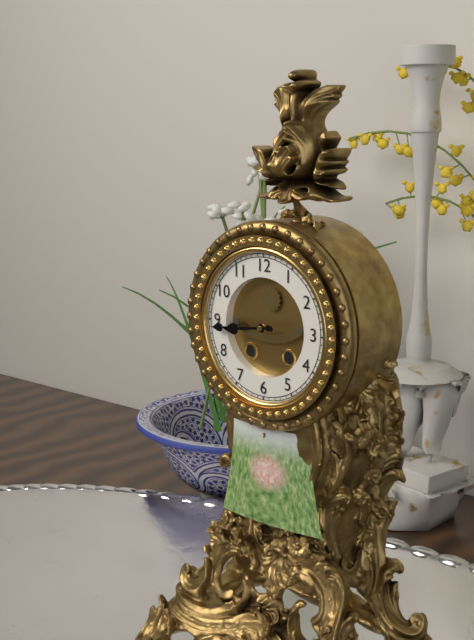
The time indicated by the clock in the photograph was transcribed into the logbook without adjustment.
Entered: 8:44
